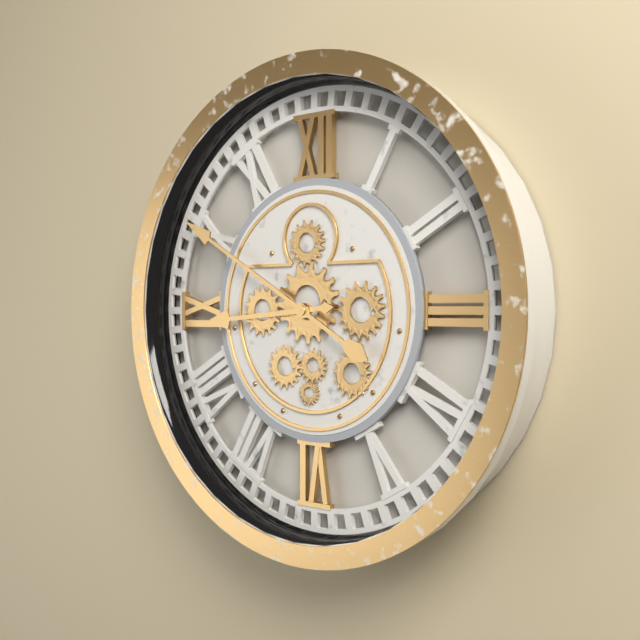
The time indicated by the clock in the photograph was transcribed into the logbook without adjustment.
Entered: 8:50
